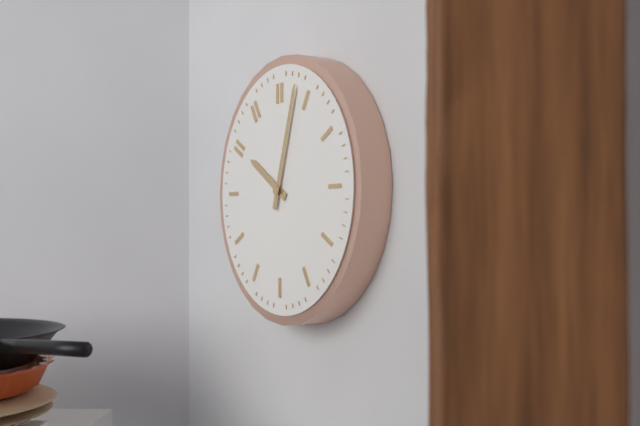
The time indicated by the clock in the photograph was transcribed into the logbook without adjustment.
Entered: 10:03
